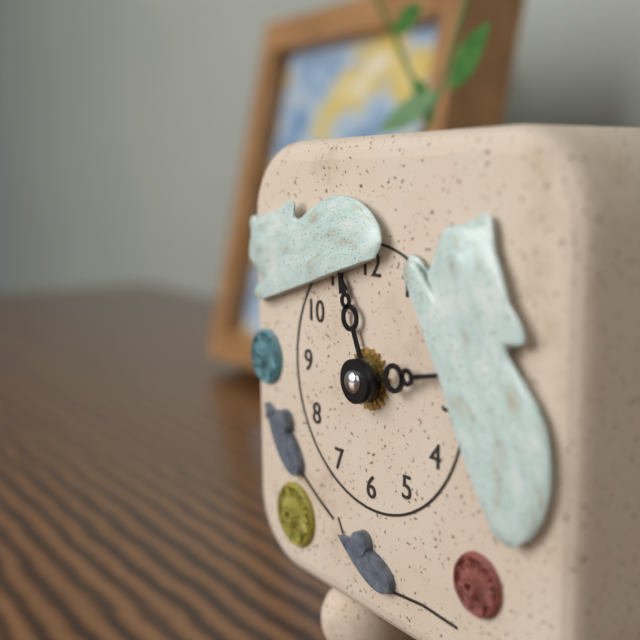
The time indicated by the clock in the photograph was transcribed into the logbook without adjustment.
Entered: 11:13
